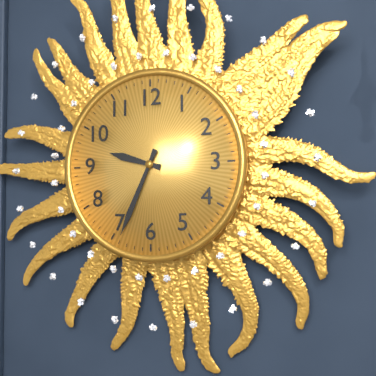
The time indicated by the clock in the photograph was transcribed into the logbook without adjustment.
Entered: 9:34
